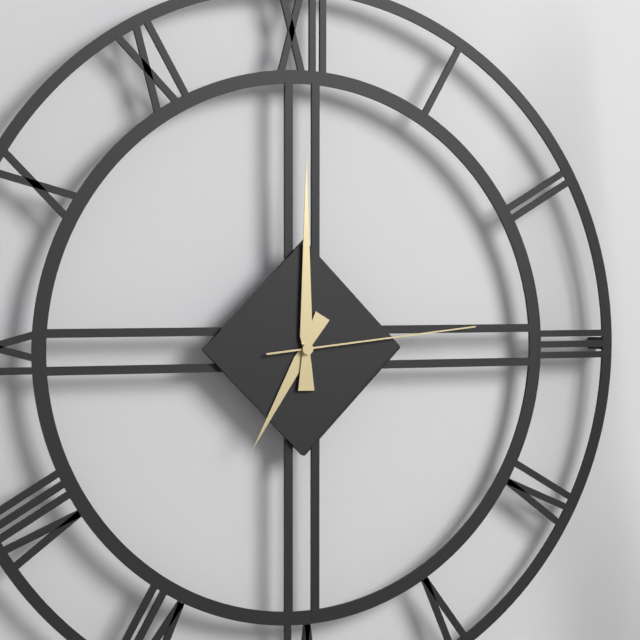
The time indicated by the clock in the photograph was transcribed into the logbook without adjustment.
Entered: 7:00:14
